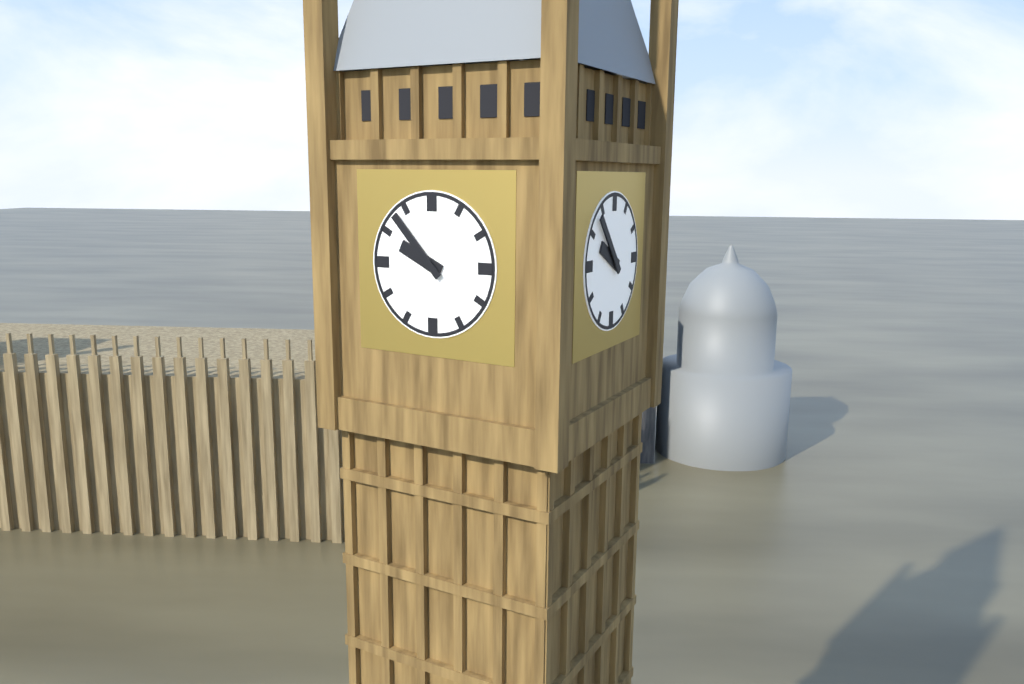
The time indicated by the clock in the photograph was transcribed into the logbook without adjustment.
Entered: 9:53
